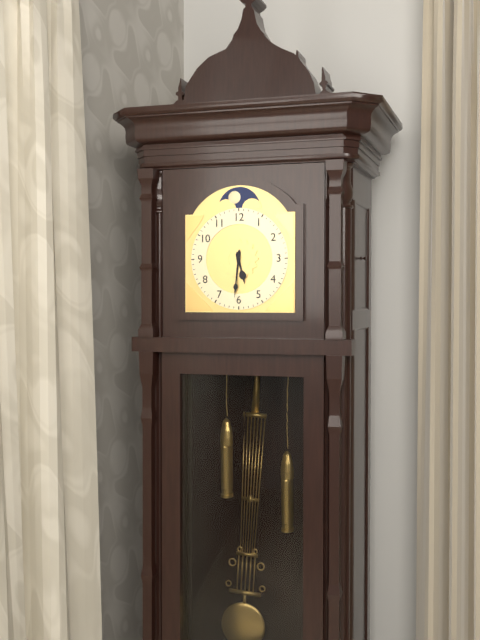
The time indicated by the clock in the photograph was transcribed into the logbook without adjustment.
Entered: 5:31
